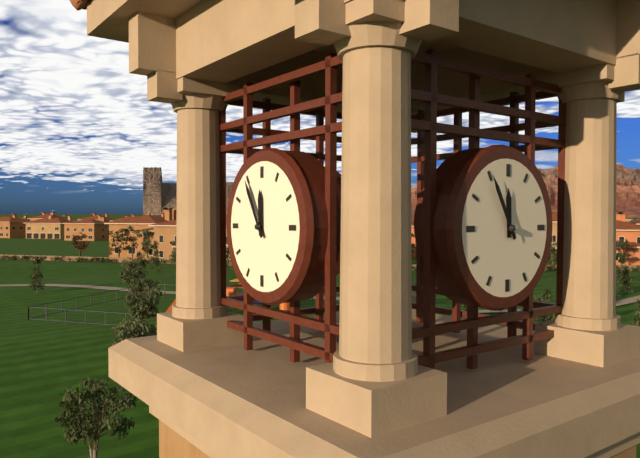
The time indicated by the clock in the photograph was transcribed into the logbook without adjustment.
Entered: 11:55
